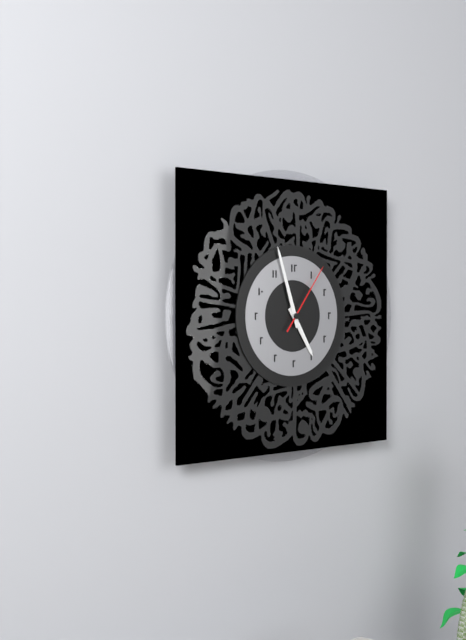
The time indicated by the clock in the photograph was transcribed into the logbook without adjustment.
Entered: 4:57:06
